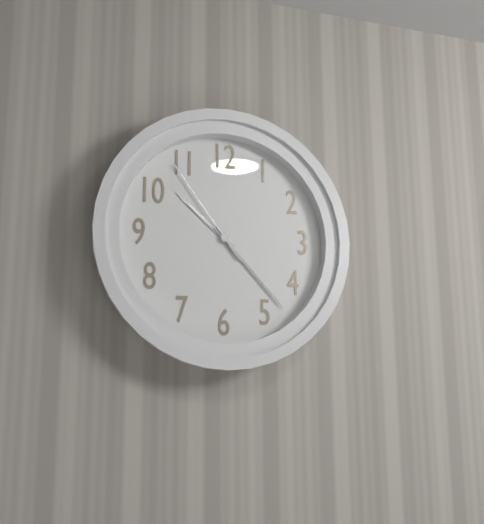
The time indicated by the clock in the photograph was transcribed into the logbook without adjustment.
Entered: 10:23:54
